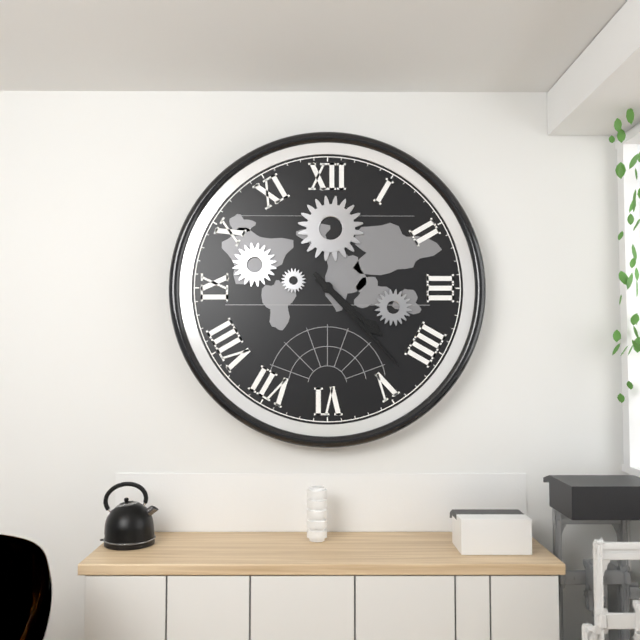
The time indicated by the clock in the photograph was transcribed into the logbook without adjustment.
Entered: 4:23
